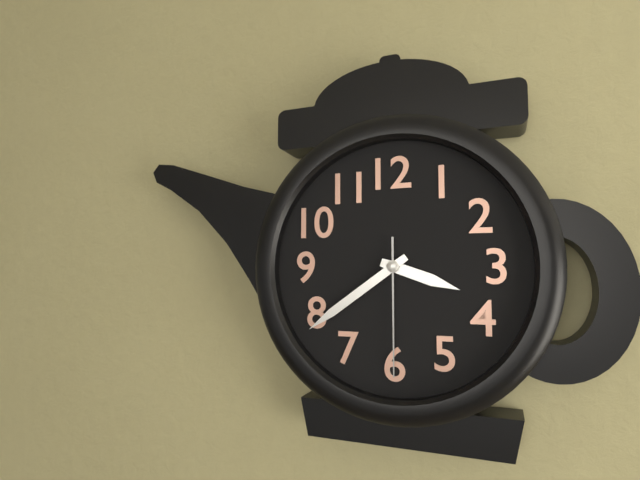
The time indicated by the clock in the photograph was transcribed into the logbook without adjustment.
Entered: 3:39:30
